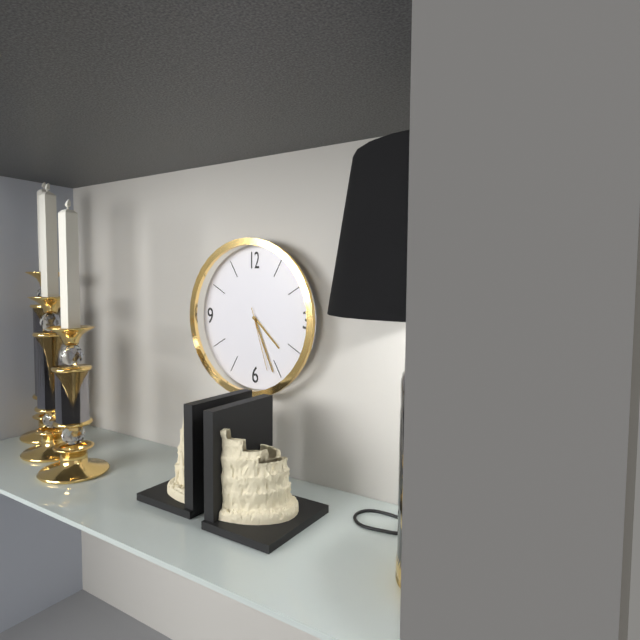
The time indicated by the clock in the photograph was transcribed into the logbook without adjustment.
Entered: 4:26:27
